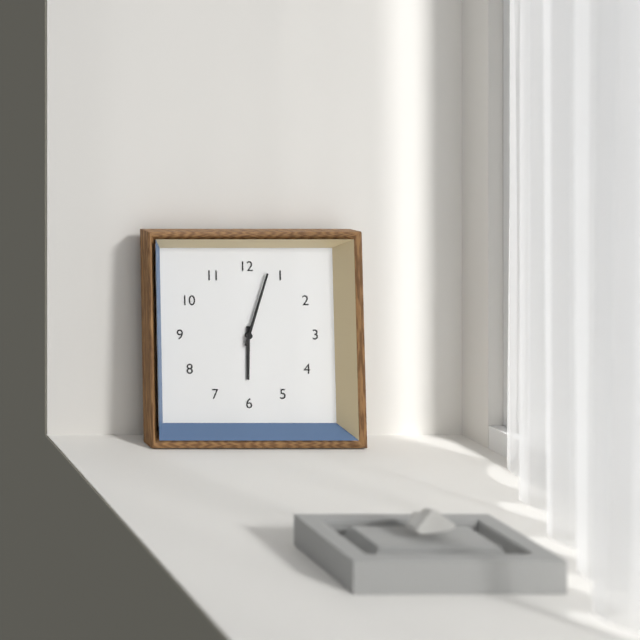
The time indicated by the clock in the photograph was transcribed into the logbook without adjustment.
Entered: 6:03
